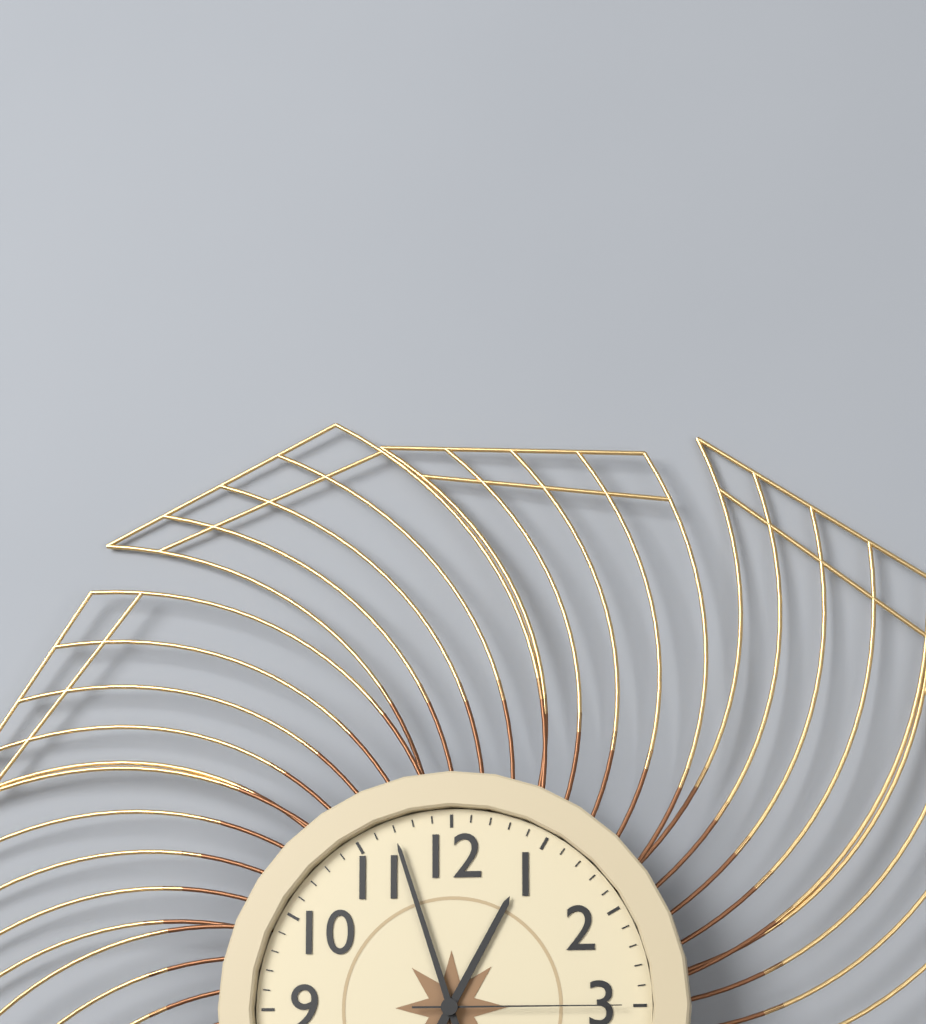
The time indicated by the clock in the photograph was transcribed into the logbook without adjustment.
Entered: 12:57:15
